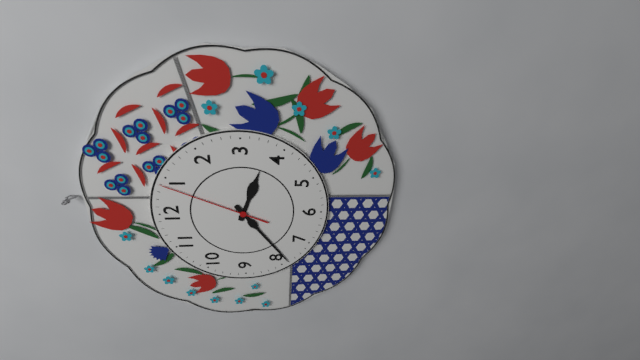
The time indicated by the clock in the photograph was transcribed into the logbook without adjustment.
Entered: 3:39:04
